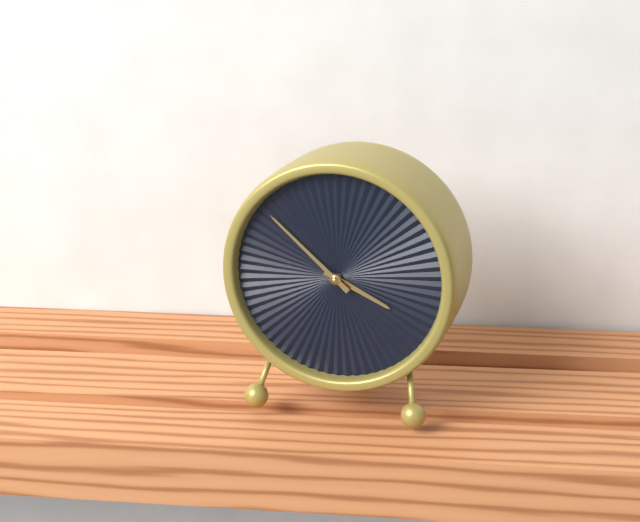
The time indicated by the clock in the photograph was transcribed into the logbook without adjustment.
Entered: 3:52
